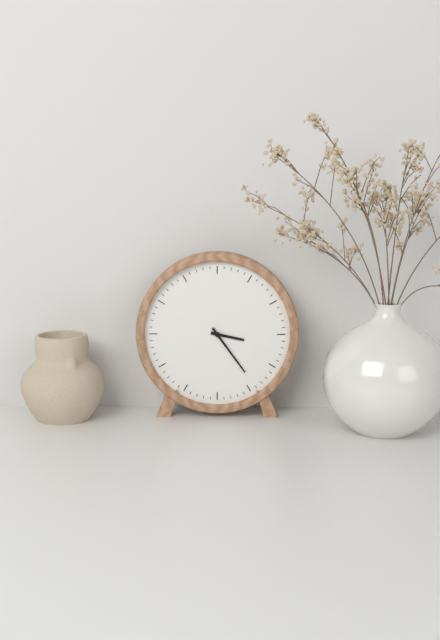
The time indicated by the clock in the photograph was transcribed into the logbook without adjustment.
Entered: 3:24
